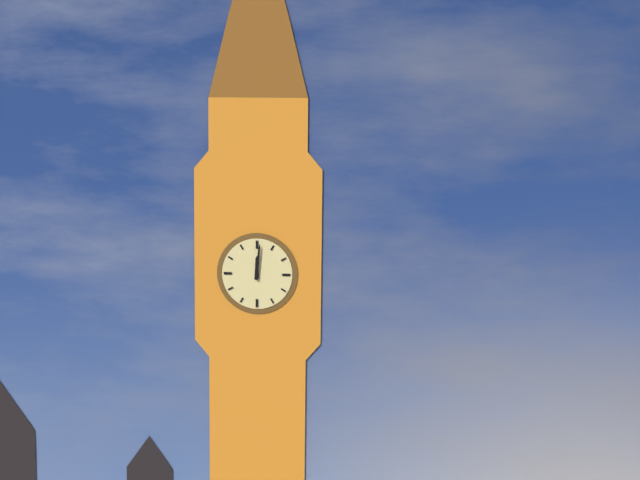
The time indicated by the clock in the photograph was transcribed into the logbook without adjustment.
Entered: 12:01
